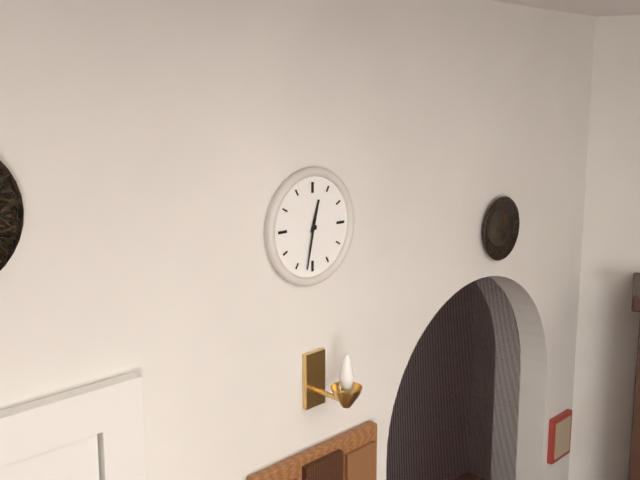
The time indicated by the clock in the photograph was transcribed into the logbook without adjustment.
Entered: 12:32
